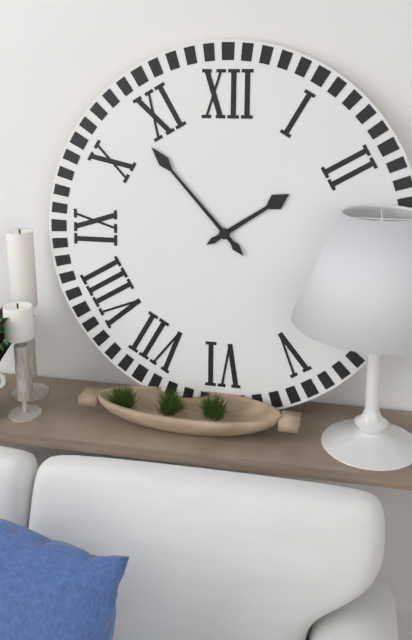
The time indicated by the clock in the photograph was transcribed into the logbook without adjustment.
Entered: 1:53
